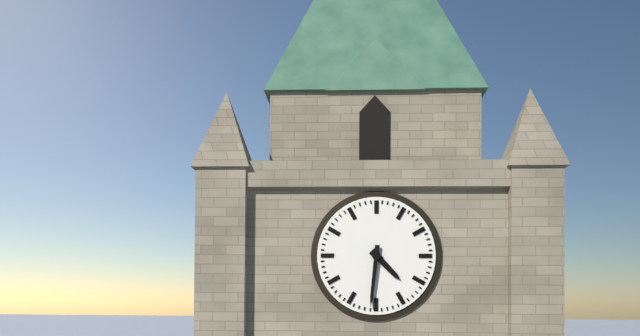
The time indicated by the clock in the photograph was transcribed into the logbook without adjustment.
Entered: 4:31
